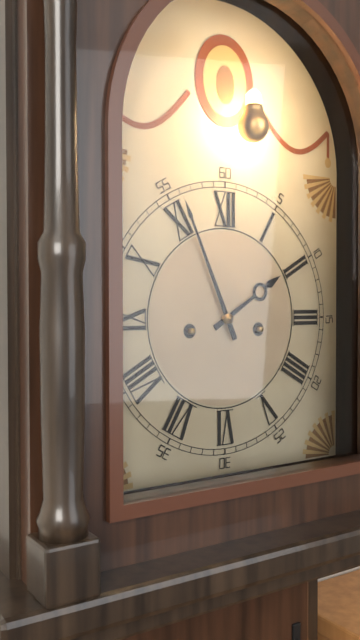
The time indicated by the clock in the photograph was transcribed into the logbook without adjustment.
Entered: 1:56
